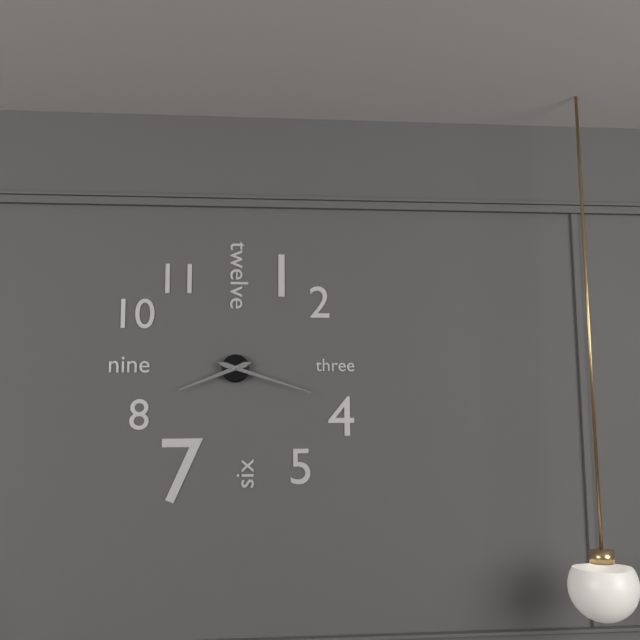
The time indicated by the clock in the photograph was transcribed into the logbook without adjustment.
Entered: 8:18
